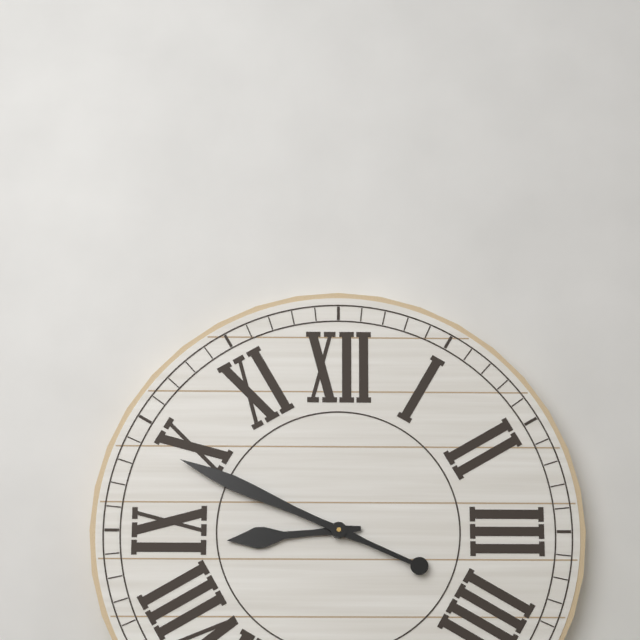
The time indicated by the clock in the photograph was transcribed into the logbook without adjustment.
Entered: 8:49
